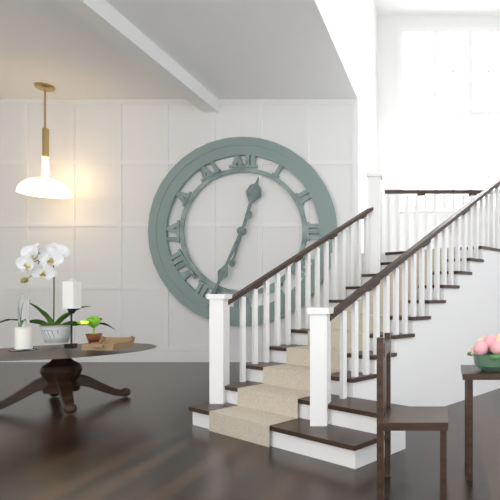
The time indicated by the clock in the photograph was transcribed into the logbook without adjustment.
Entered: 12:34
